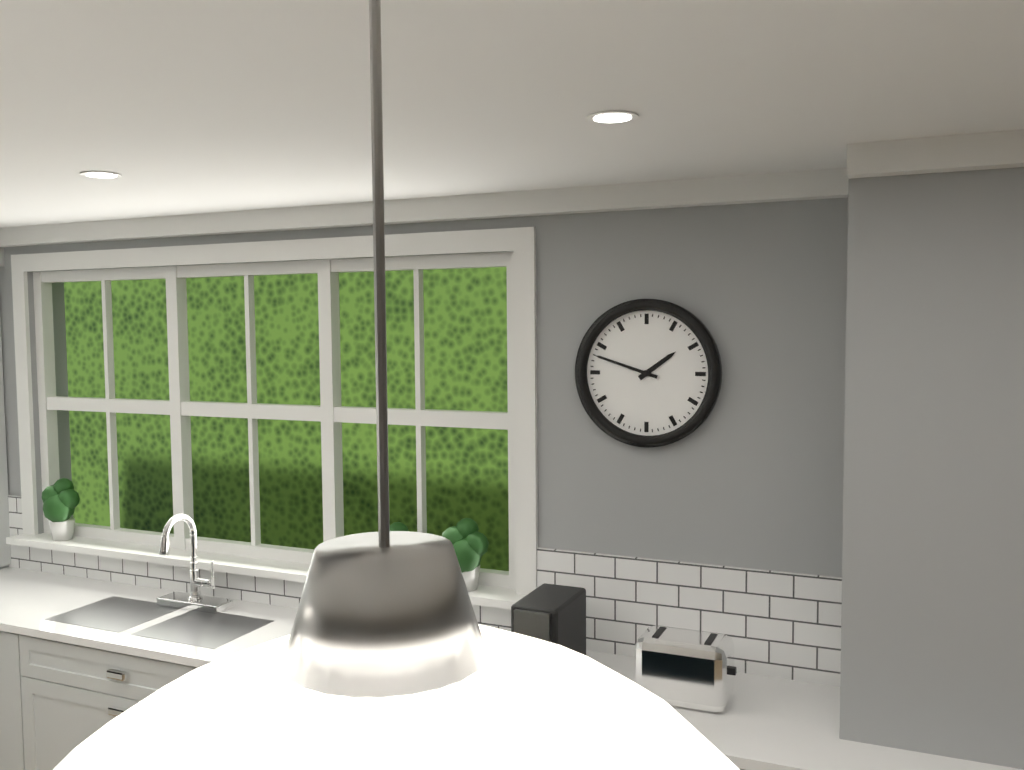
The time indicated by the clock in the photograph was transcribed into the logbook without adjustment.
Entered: 1:48
